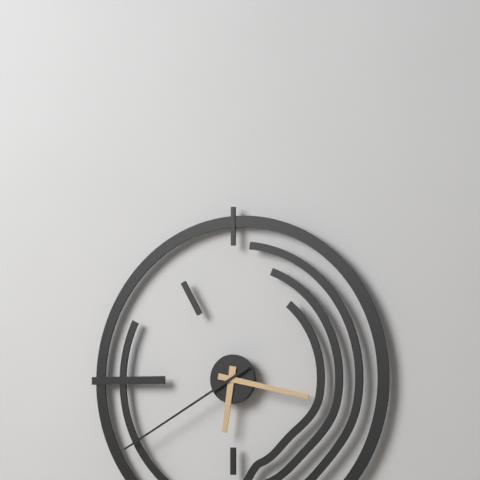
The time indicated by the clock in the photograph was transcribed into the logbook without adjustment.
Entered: 6:17:40
